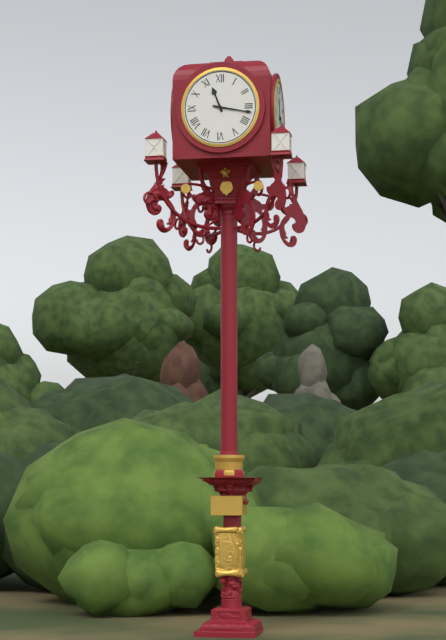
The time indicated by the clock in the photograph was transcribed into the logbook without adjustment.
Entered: 11:17
